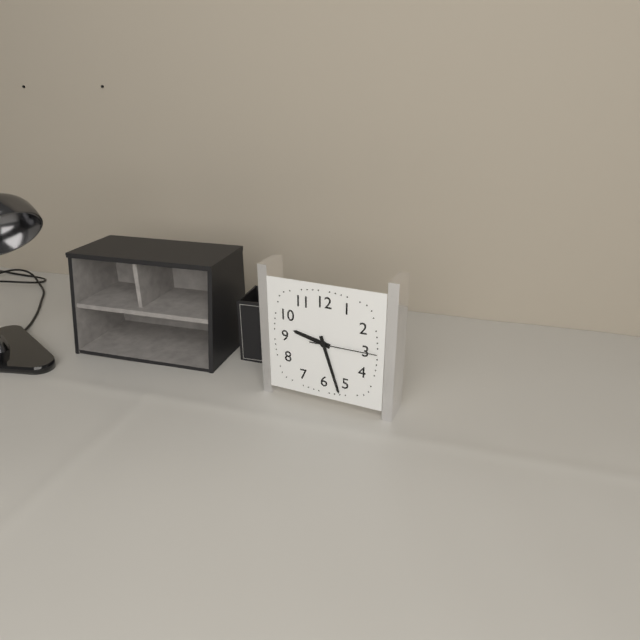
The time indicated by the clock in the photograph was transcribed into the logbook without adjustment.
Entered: 9:27:15
